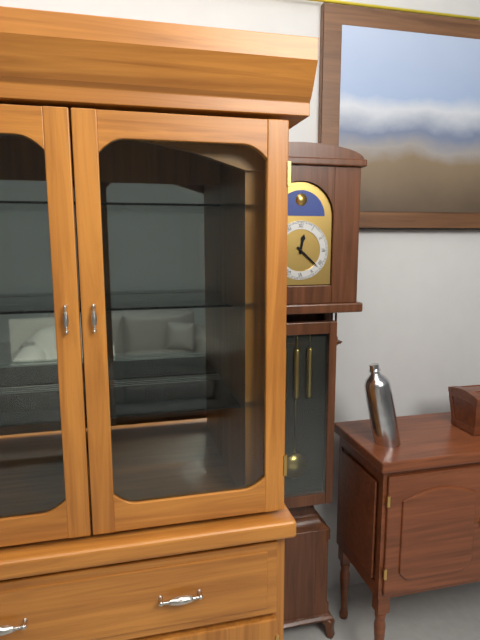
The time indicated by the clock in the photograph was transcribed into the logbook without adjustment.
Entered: 12:22
